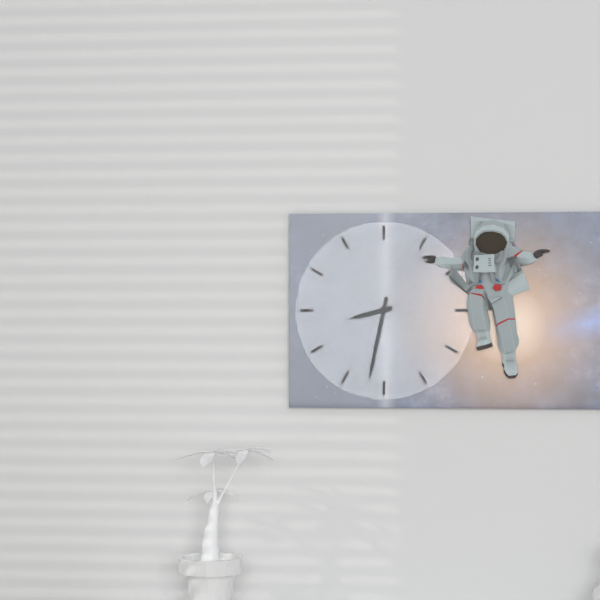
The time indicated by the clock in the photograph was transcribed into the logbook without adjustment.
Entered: 8:32
